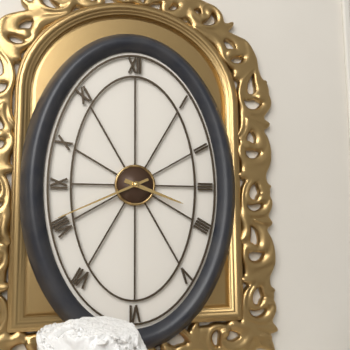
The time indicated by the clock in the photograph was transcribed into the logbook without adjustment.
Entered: 3:41
